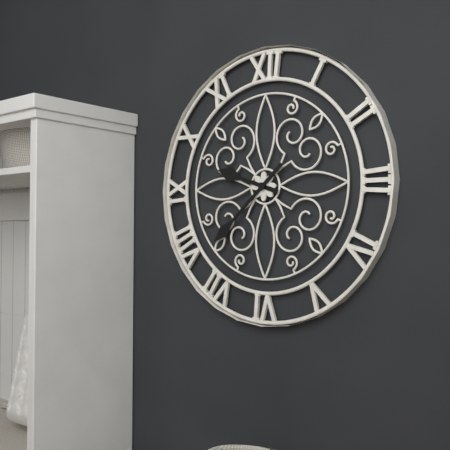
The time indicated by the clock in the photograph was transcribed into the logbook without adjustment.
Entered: 9:38
